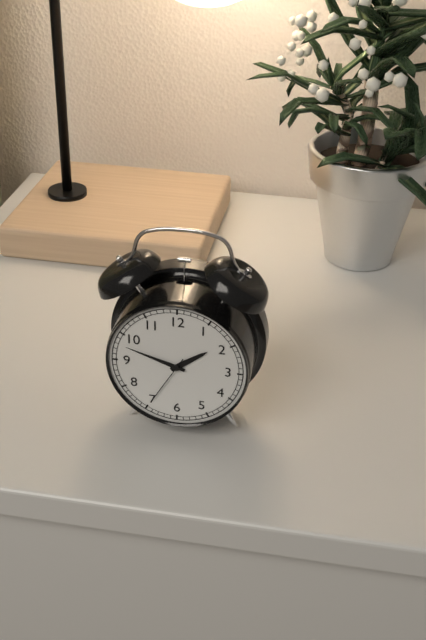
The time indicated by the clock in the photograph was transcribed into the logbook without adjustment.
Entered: 1:48:35
